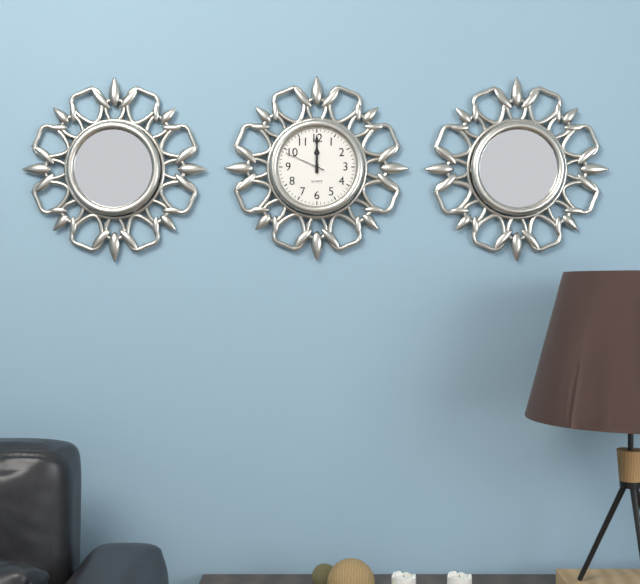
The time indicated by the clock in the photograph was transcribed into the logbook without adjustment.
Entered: 12:00
